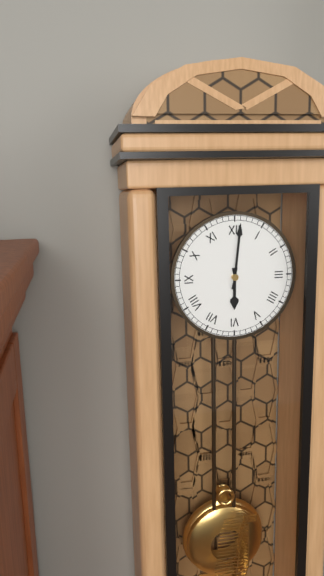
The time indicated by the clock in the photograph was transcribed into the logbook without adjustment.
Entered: 6:01
